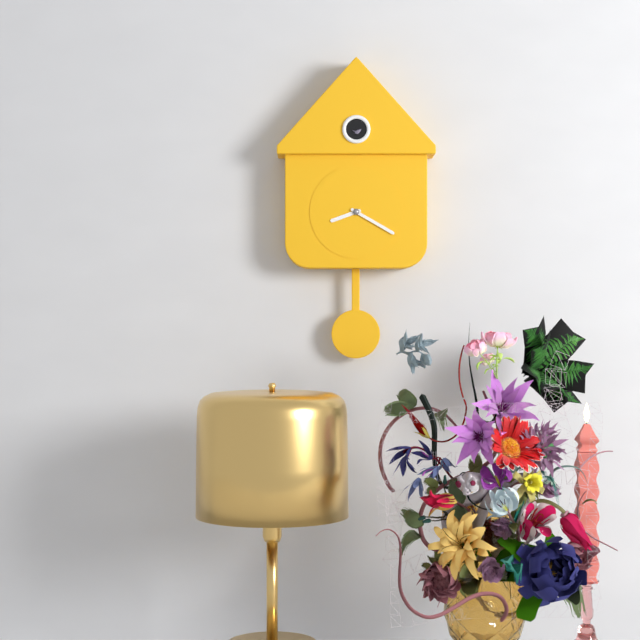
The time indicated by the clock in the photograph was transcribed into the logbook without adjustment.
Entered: 8:20
